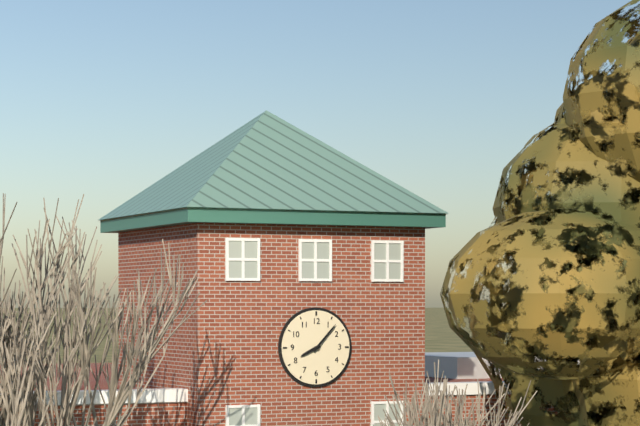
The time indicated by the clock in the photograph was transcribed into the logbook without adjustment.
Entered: 8:07
